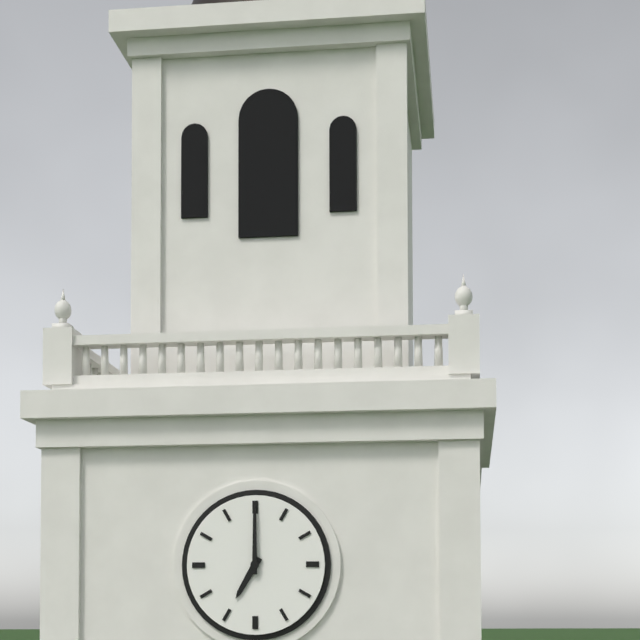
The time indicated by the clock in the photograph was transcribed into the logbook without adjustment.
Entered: 7:00
